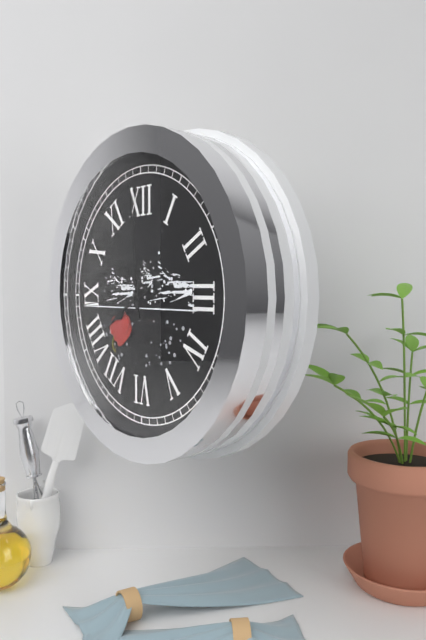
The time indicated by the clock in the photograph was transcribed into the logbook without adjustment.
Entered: 7:59:44
